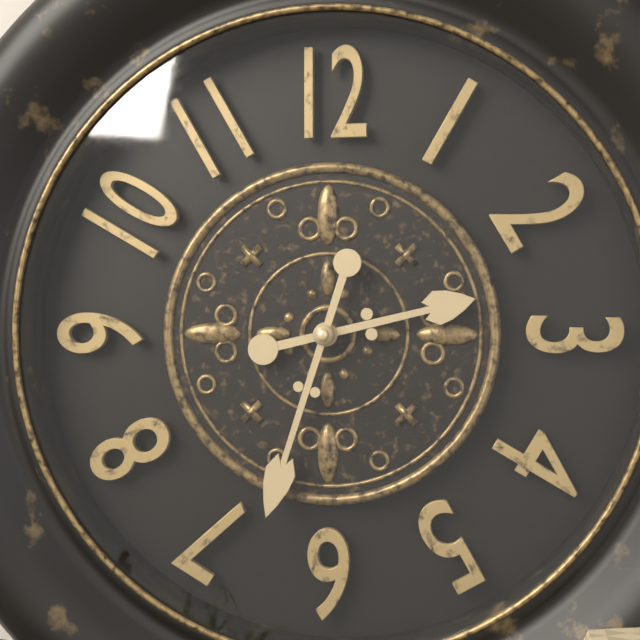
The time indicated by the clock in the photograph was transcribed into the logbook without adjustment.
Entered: 2:33
